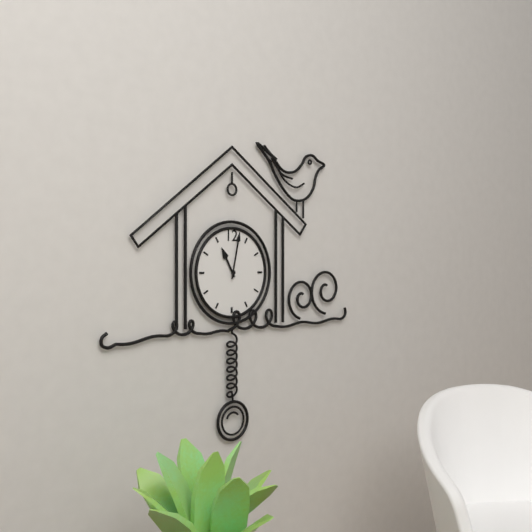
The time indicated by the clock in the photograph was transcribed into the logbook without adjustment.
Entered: 11:02
